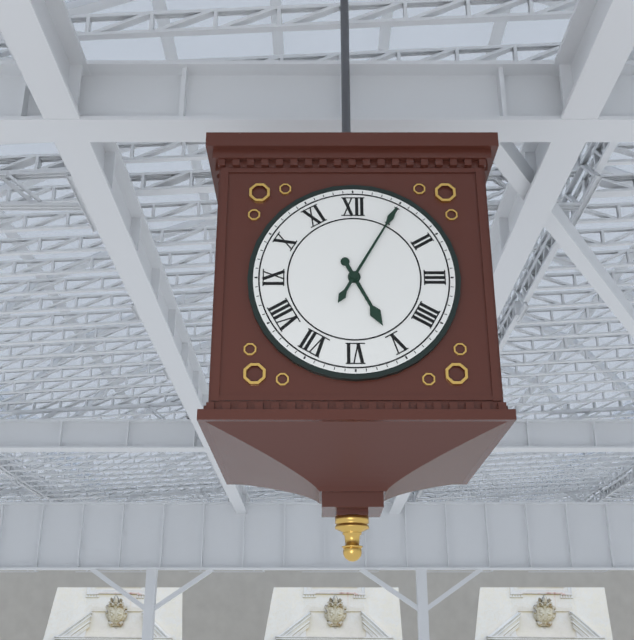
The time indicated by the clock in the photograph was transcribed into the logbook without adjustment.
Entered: 5:05
